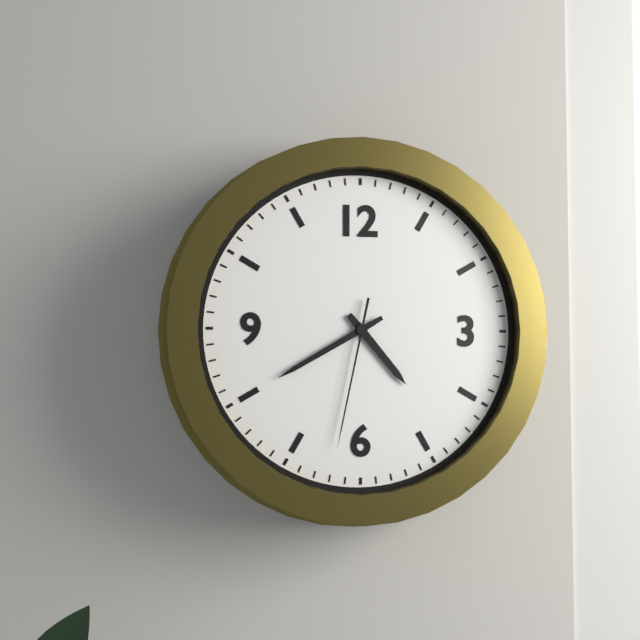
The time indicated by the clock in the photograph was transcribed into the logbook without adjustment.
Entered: 4:40:32
